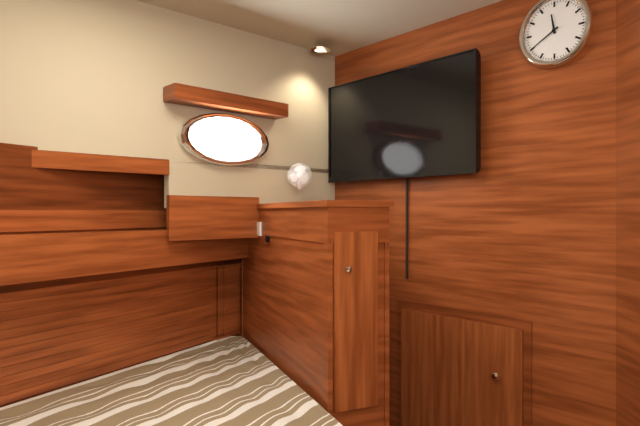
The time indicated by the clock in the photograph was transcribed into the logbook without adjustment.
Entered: 11:40
